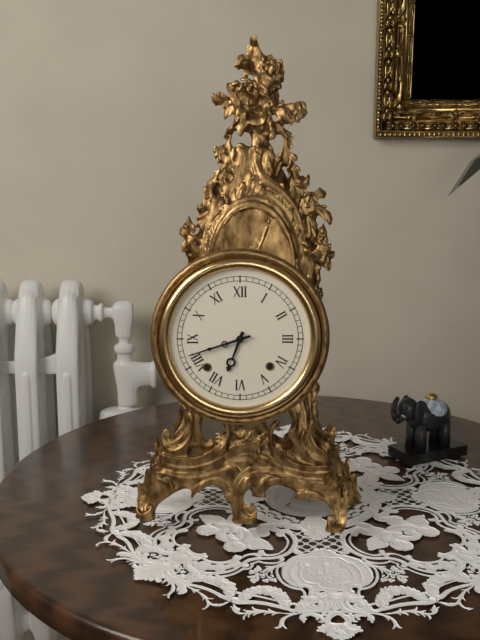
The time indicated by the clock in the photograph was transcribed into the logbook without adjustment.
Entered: 6:42
